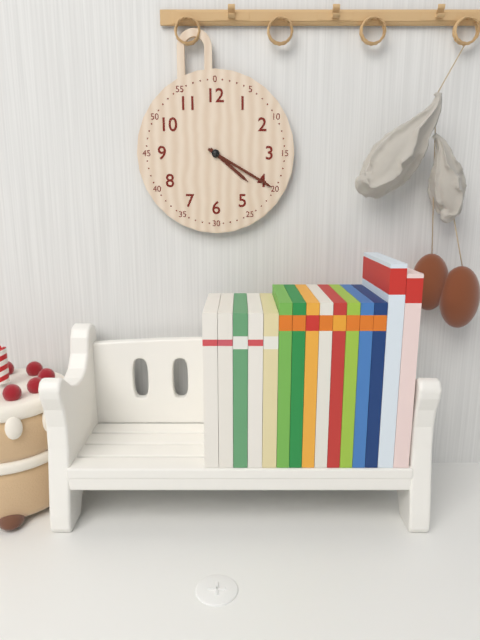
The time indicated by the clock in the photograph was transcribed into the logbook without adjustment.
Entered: 4:20
